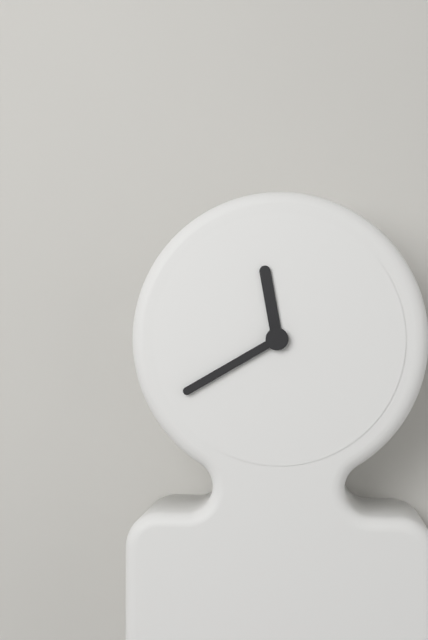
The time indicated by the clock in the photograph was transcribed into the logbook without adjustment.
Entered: 11:40
